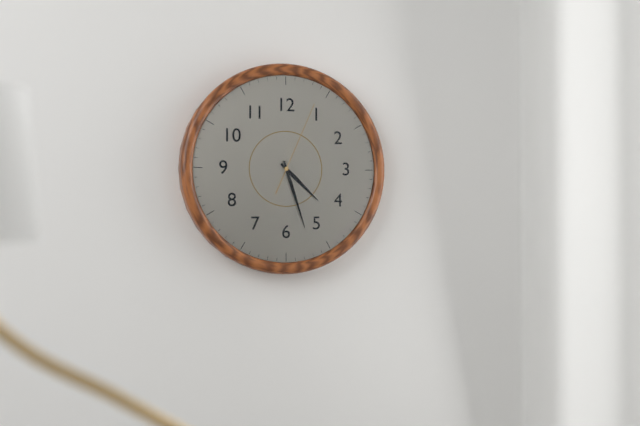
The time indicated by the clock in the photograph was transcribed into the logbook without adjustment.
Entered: 4:27:04
